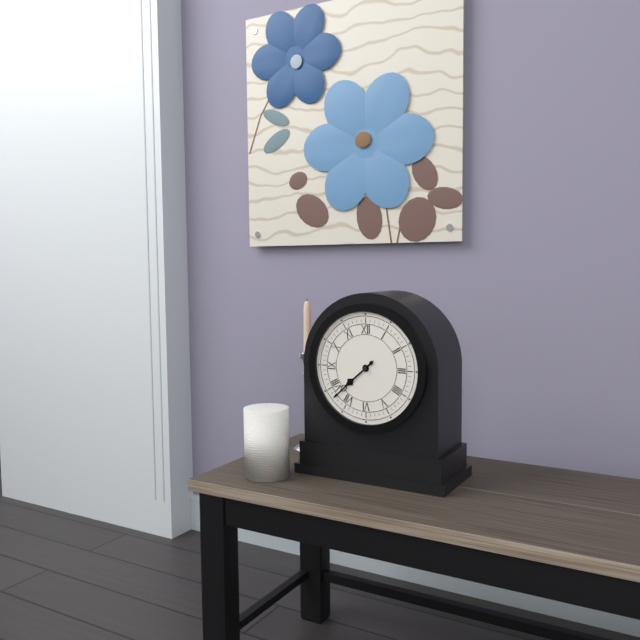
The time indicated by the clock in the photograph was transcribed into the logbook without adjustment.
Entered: 7:38
